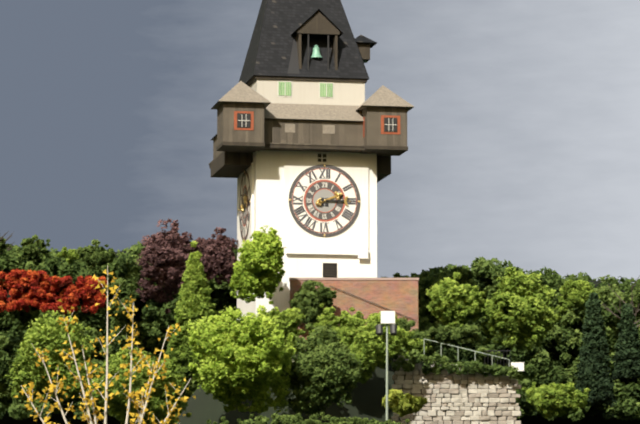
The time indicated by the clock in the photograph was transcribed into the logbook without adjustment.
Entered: 2:15
